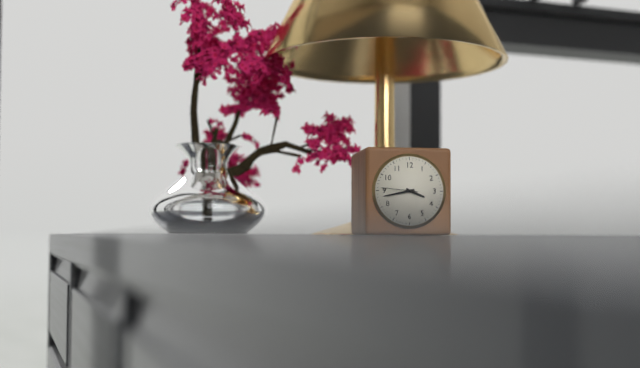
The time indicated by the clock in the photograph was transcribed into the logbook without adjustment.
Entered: 3:43
